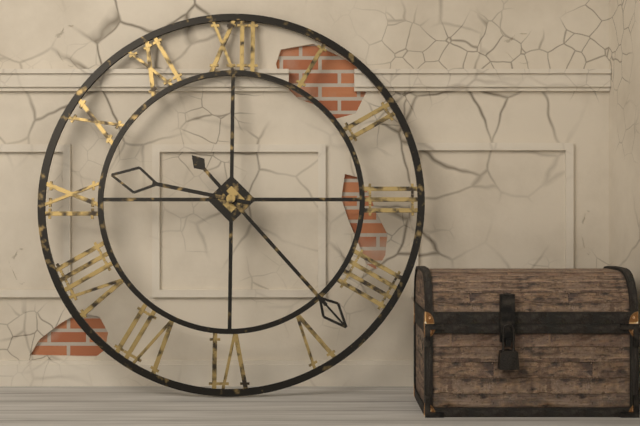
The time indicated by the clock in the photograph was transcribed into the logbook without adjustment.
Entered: 9:23
